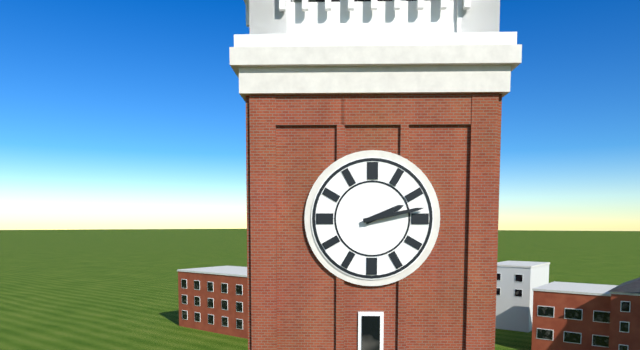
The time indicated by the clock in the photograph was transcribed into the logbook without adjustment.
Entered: 2:13
